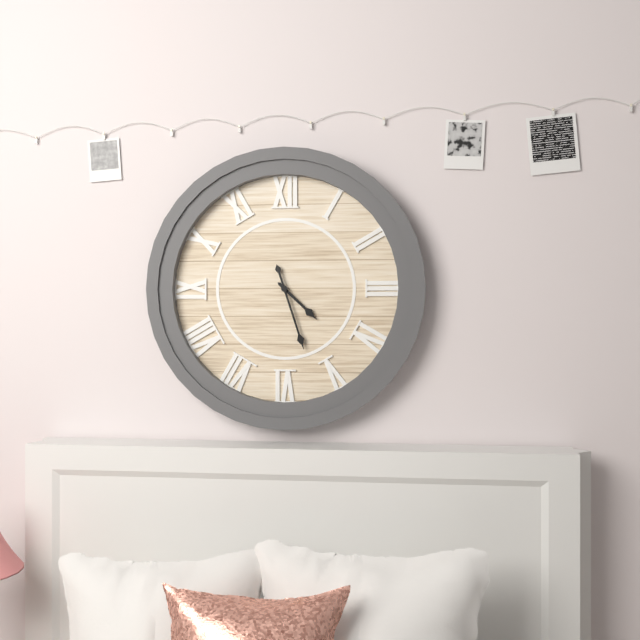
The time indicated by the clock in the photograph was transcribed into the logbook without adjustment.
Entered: 4:27
